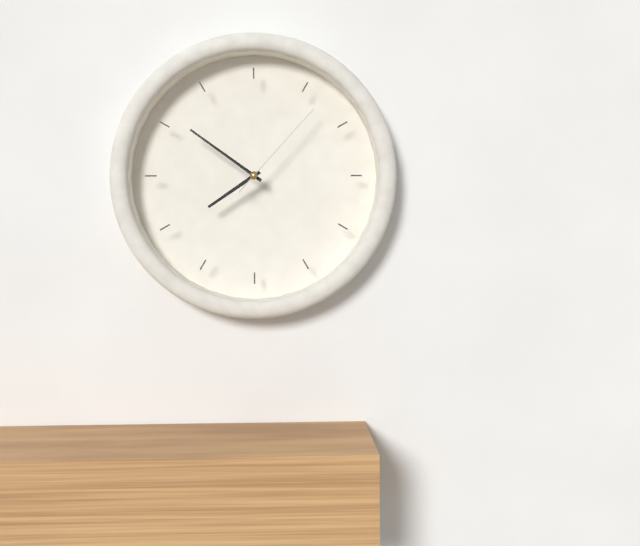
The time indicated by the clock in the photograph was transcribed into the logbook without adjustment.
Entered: 7:51:07
